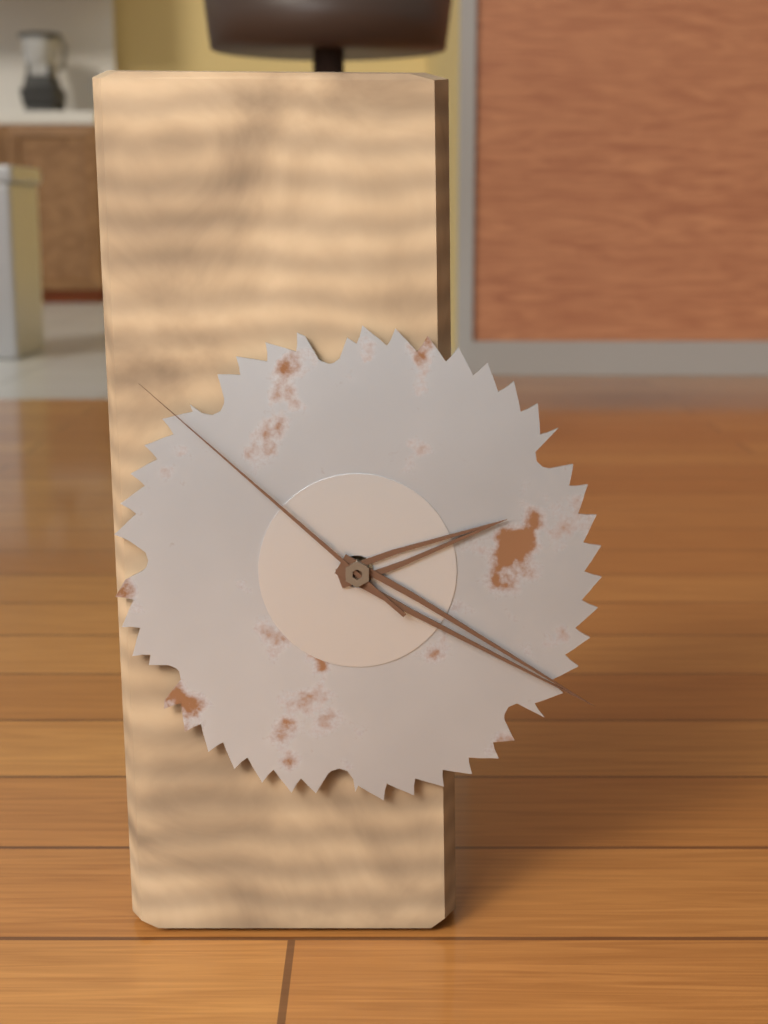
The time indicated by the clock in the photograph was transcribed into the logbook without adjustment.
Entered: 2:20:52
